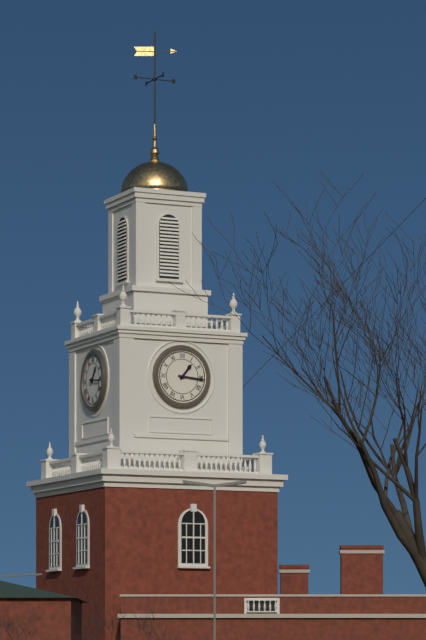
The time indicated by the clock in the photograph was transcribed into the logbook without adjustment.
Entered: 1:16
